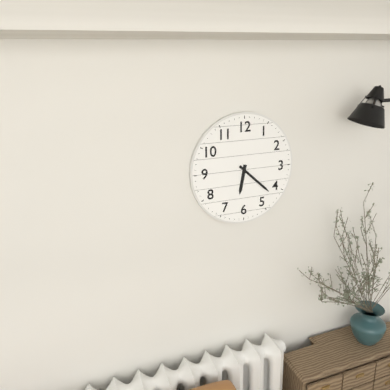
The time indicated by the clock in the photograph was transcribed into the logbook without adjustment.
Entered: 6:22
